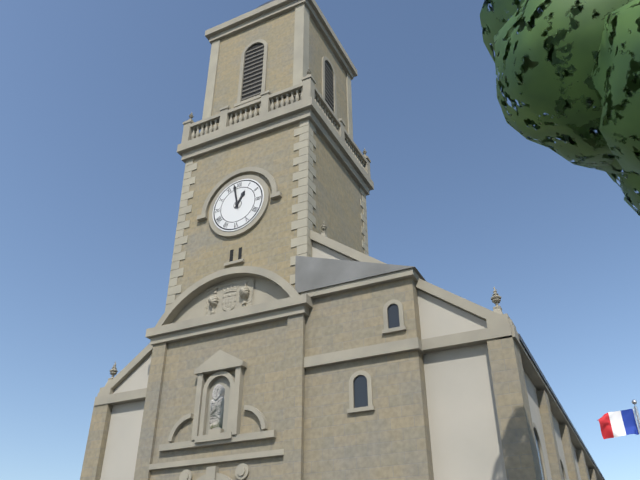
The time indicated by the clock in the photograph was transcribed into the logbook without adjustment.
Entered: 12:58
